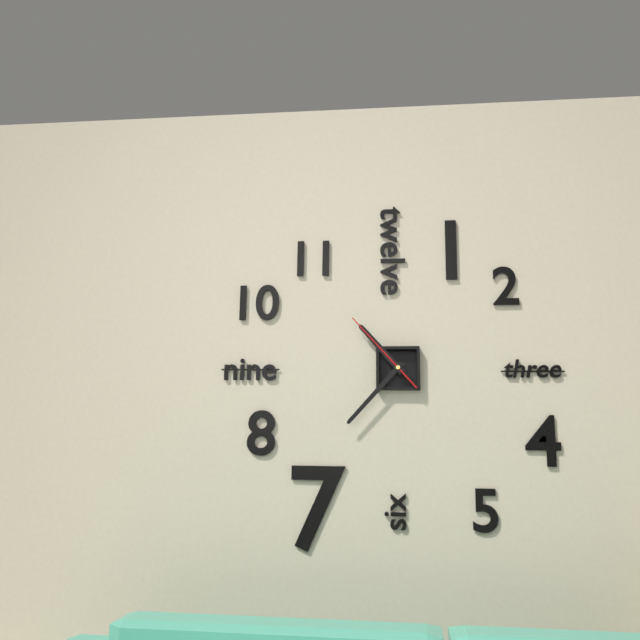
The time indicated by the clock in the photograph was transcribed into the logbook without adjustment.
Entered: 10:37:53
